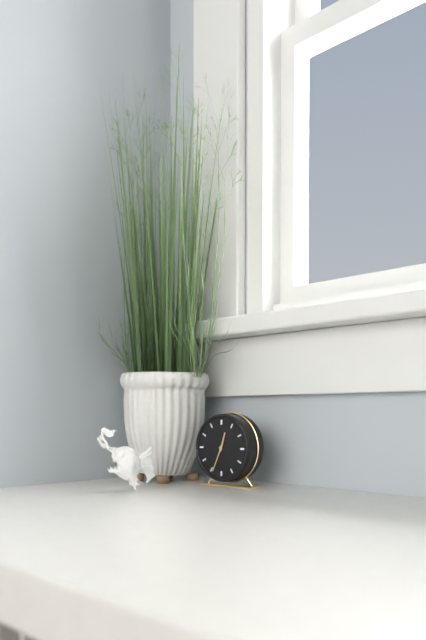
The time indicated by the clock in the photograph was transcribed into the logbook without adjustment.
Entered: 12:34
